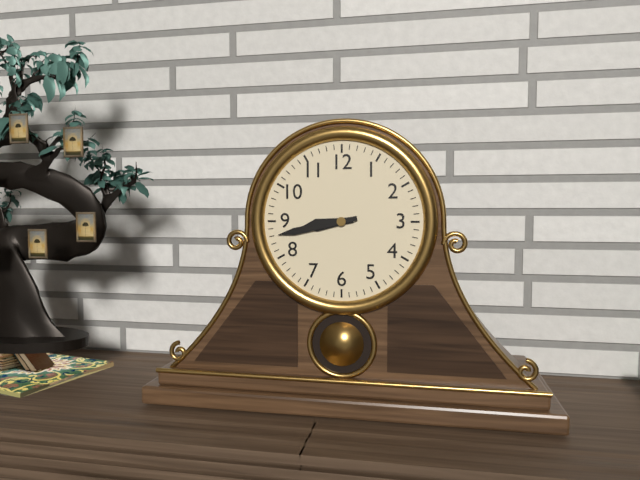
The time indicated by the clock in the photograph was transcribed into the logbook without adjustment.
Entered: 8:43
